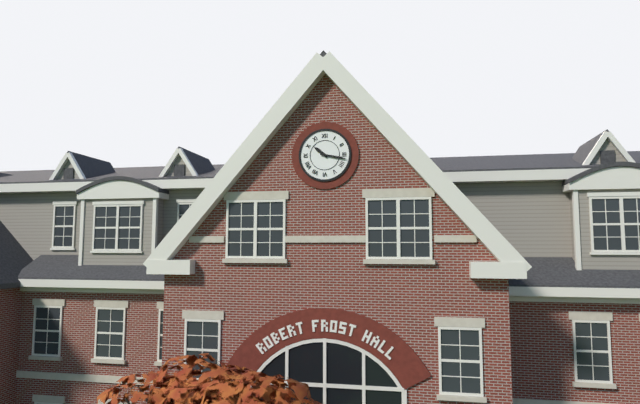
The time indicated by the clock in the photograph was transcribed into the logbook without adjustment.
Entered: 10:17
